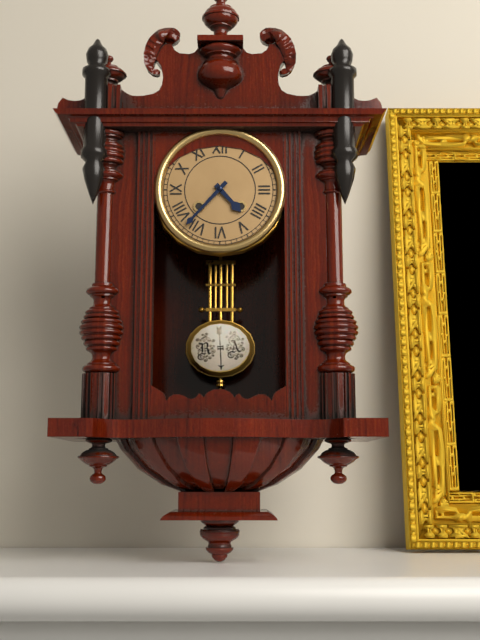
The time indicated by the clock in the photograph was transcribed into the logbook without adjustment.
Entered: 4:37
